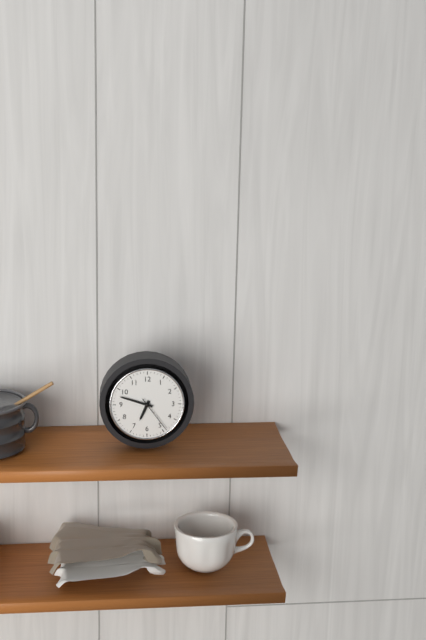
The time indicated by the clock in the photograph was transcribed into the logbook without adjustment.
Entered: 6:48
